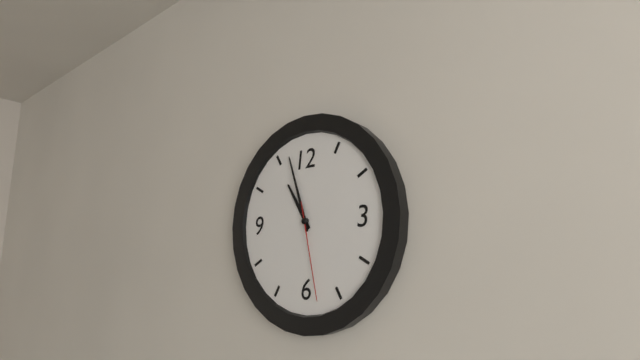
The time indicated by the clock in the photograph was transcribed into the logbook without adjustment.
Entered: 10:57:28
